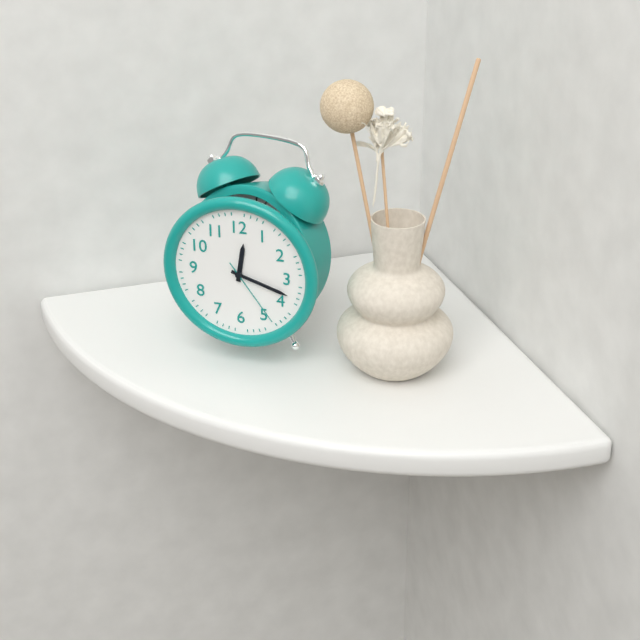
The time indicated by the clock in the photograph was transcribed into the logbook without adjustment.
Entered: 12:18:24
